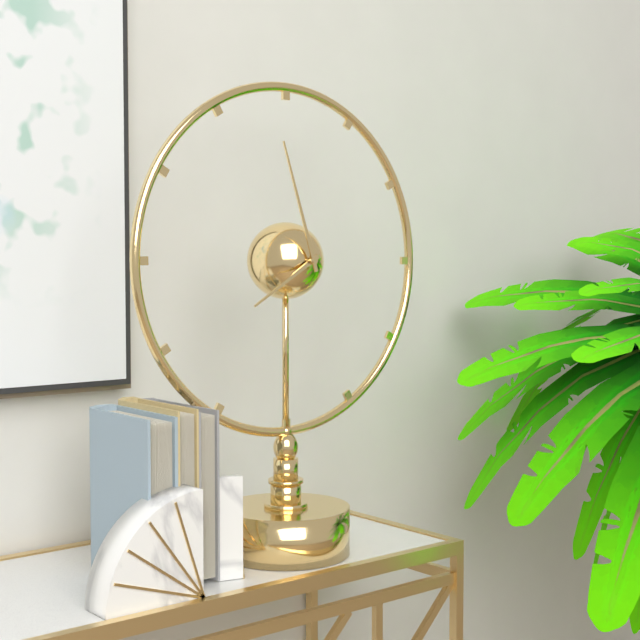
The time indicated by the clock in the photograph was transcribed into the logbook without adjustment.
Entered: 7:57
